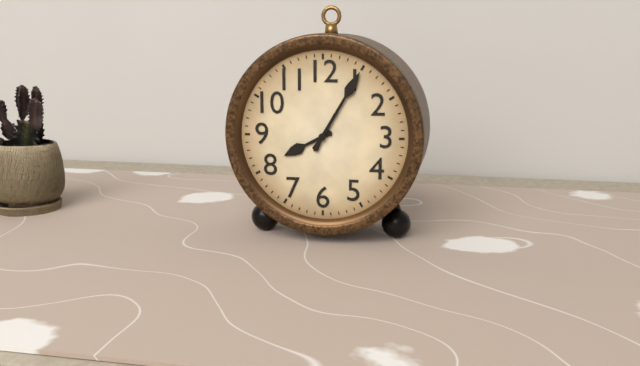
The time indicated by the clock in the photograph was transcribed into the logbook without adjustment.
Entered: 8:05
